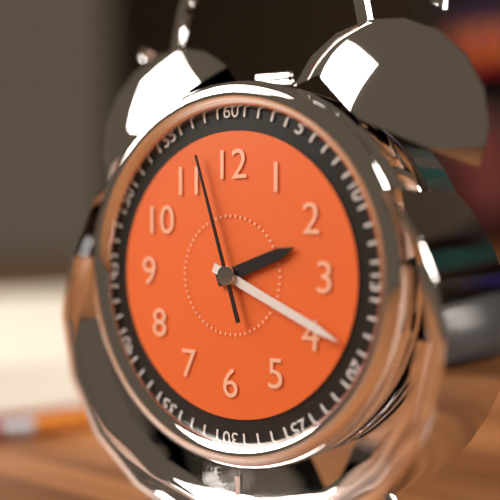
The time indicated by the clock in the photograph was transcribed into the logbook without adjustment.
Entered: 2:19:57
